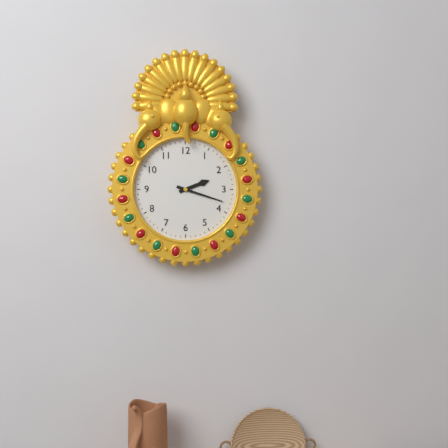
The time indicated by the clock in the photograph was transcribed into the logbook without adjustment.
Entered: 2:18
